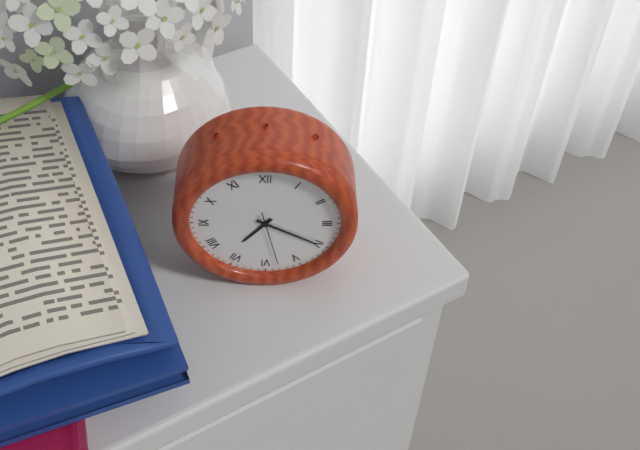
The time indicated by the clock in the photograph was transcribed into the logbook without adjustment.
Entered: 7:20:28
